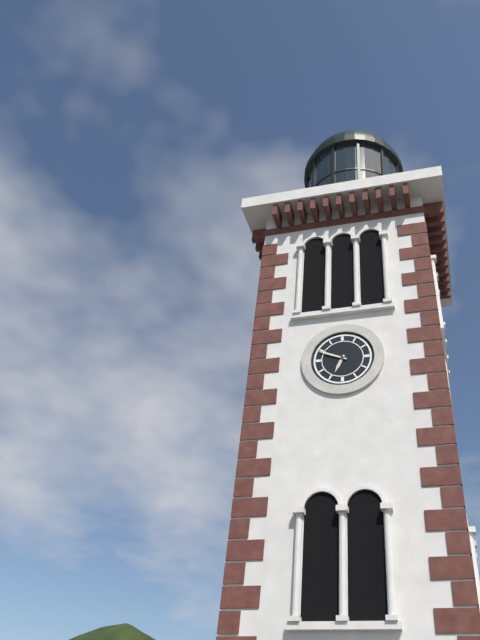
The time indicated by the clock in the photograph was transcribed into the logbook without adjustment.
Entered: 6:49
